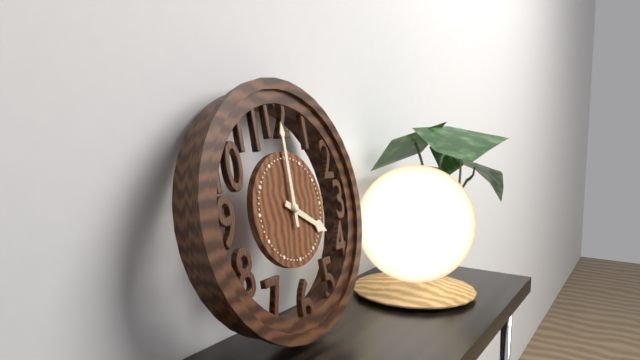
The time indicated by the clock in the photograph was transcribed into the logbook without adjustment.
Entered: 4:00
